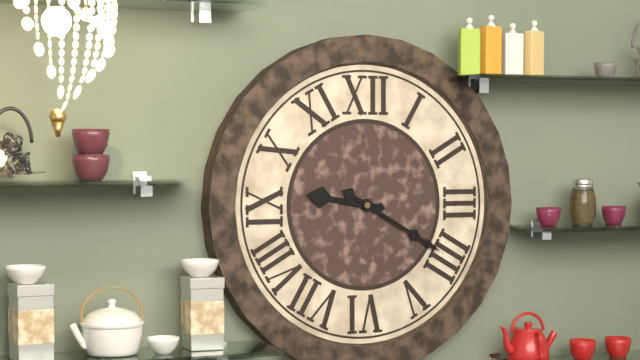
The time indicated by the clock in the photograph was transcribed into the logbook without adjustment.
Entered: 9:20
